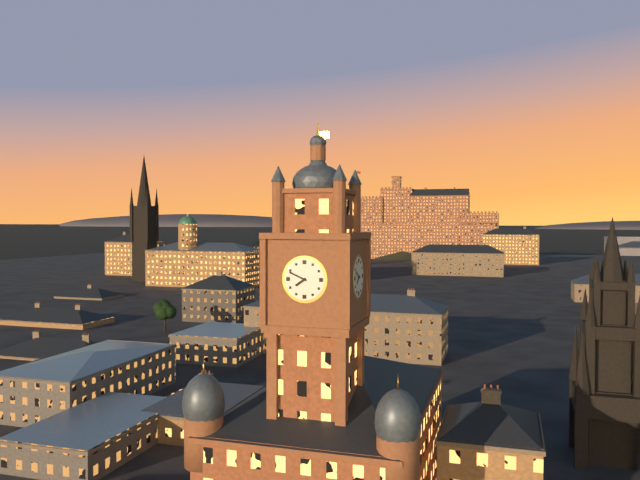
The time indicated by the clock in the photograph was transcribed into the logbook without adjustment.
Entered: 7:49
